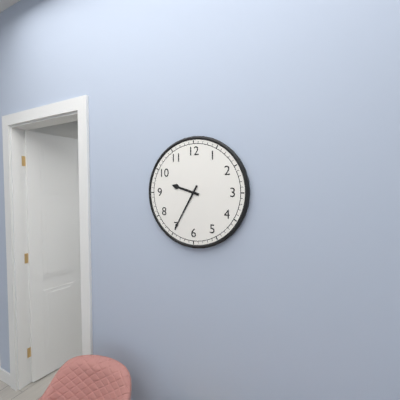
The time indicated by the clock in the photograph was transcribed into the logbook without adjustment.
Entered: 9:35
